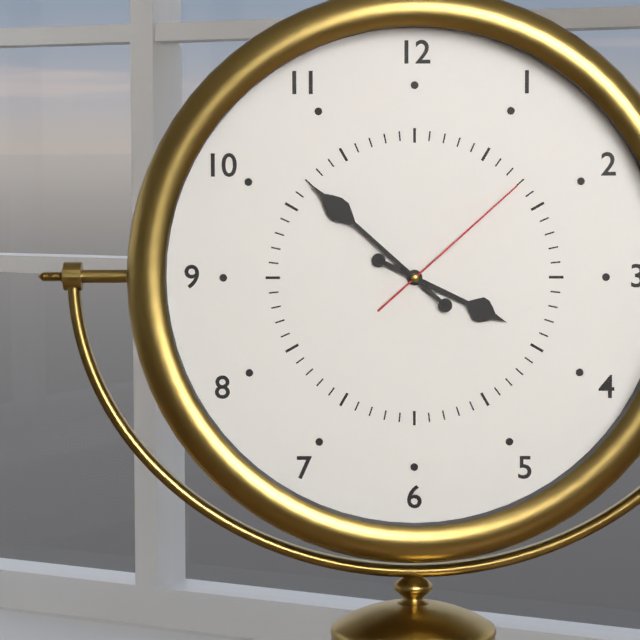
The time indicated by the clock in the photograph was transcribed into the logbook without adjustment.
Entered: 3:52:08
